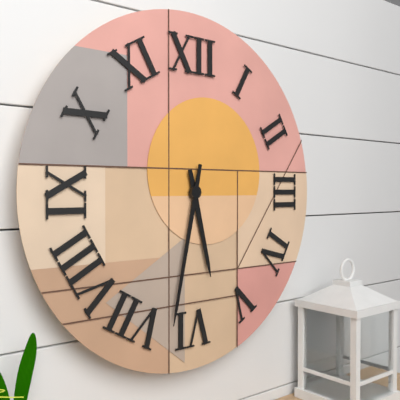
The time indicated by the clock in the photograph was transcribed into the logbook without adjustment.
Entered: 5:32
